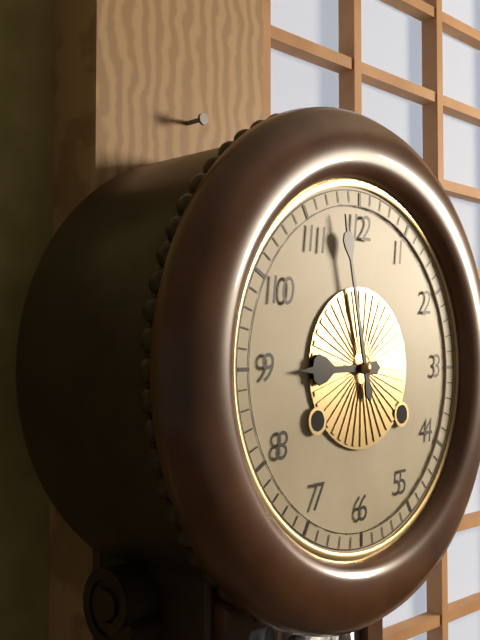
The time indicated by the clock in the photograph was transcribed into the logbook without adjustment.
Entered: 8:58
